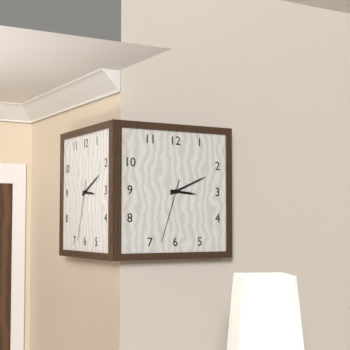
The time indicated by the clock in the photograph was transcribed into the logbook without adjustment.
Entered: 3:11:33
